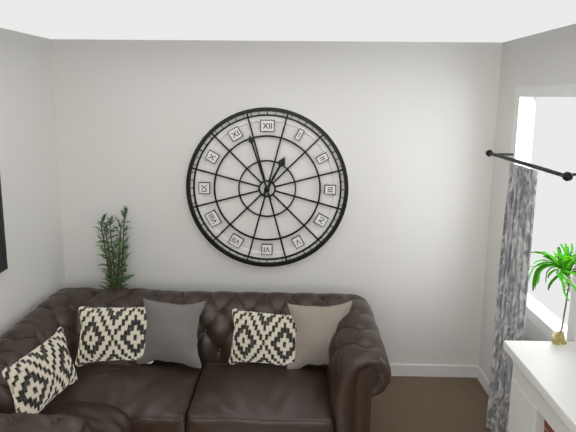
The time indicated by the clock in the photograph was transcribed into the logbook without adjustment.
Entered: 12:57
